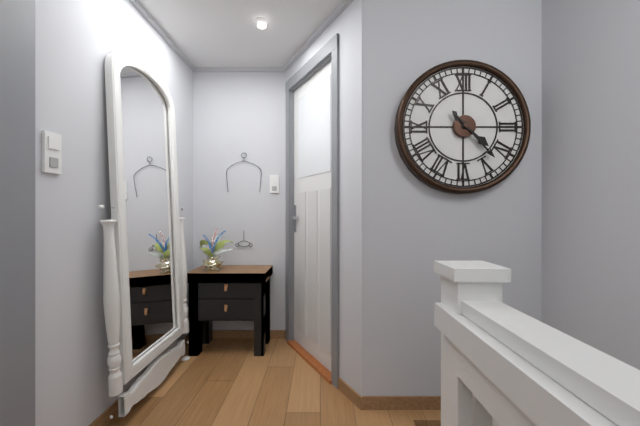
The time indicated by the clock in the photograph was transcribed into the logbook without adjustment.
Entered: 4:23
